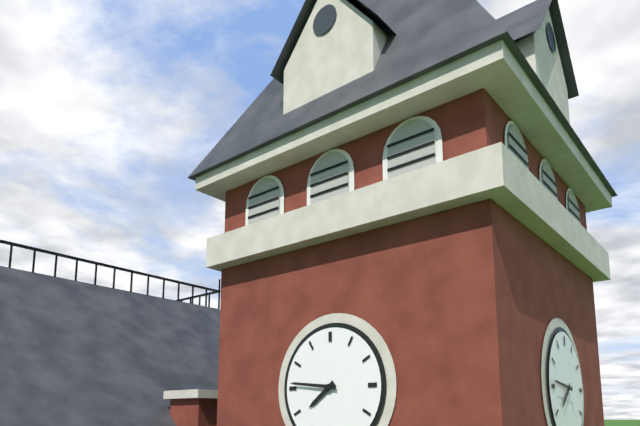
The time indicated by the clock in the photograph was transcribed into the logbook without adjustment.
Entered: 7:46
